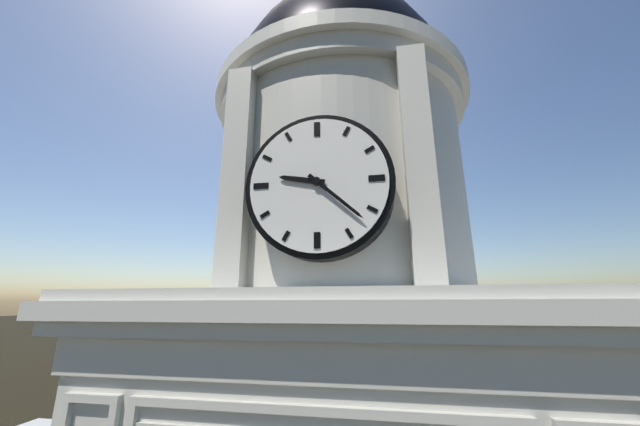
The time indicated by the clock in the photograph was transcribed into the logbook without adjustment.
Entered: 9:22
